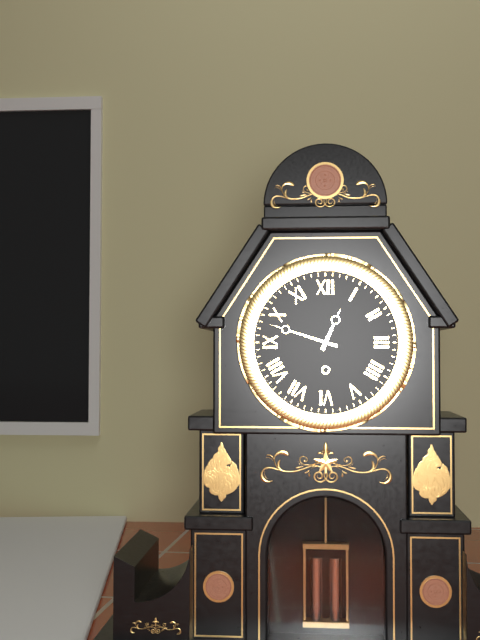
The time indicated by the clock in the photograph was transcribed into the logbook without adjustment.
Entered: 12:48
